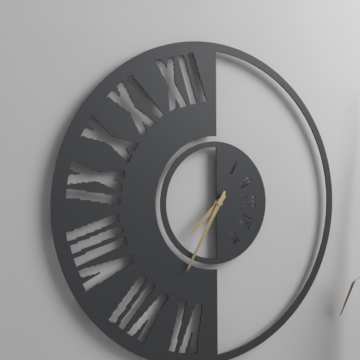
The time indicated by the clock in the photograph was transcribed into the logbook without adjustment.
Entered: 7:35
